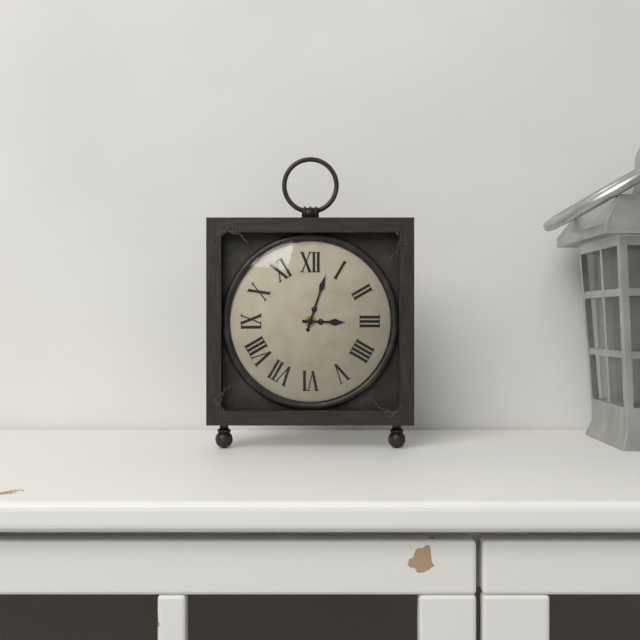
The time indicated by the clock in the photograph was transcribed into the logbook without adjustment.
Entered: 3:03
